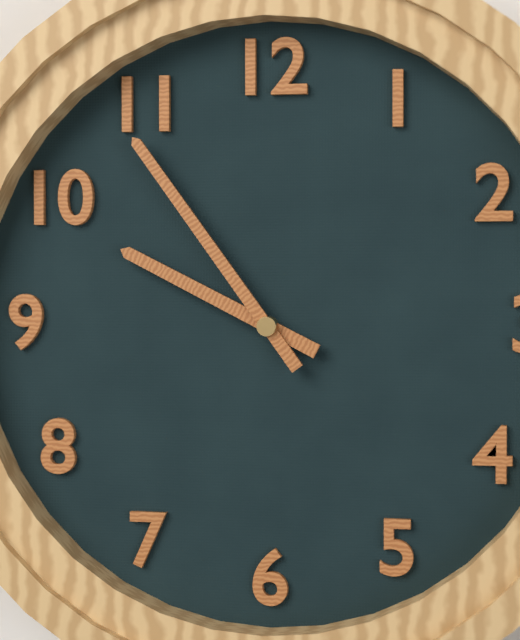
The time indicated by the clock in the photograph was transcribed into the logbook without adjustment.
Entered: 9:54
